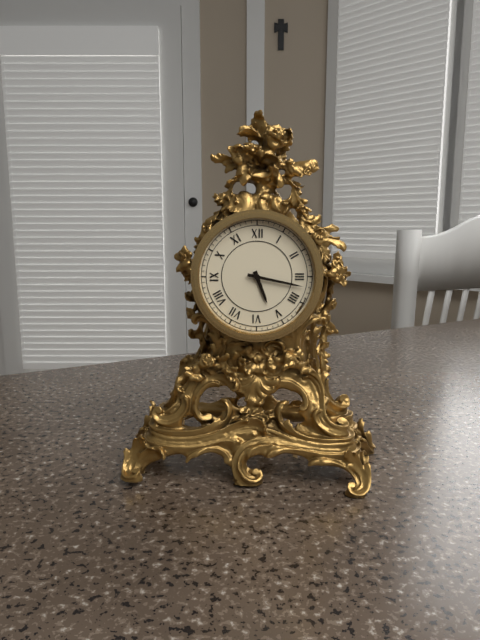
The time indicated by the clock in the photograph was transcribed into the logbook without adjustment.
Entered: 5:17
